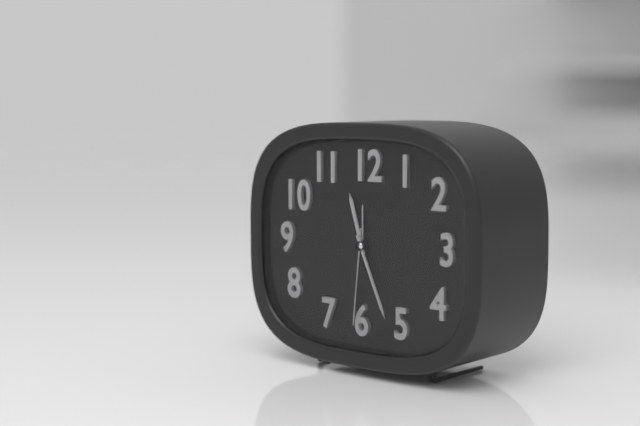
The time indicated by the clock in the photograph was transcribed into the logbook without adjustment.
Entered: 11:26:31
